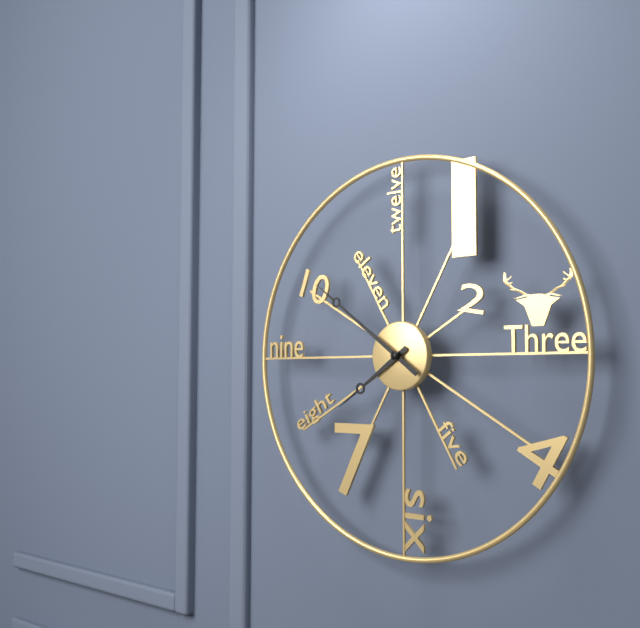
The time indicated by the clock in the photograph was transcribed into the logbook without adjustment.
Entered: 7:51
